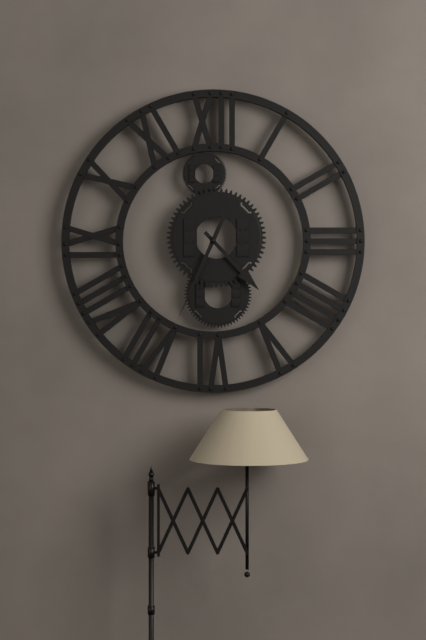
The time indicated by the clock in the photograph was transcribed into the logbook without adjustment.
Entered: 4:34
